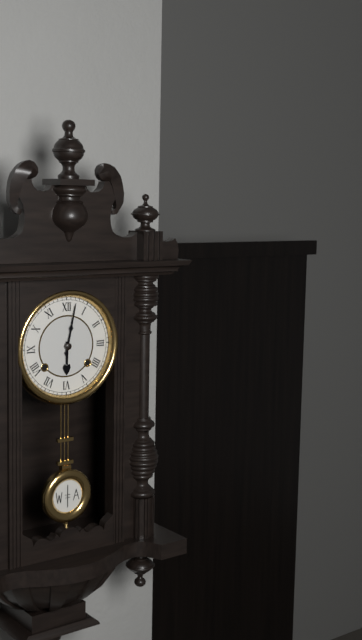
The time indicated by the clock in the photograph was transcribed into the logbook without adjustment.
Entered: 6:02
